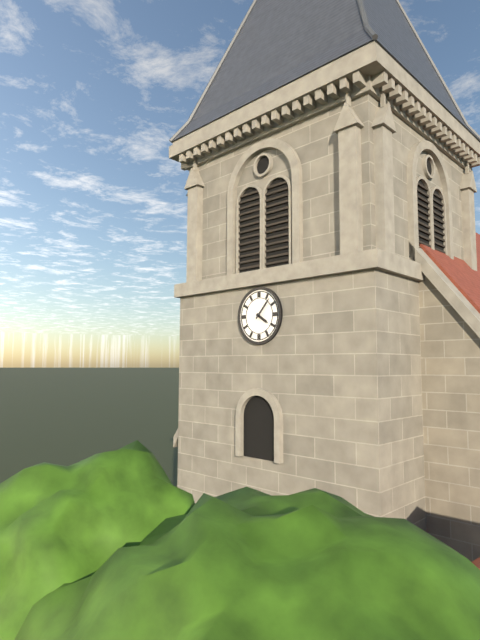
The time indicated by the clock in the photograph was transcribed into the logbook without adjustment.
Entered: 4:07
